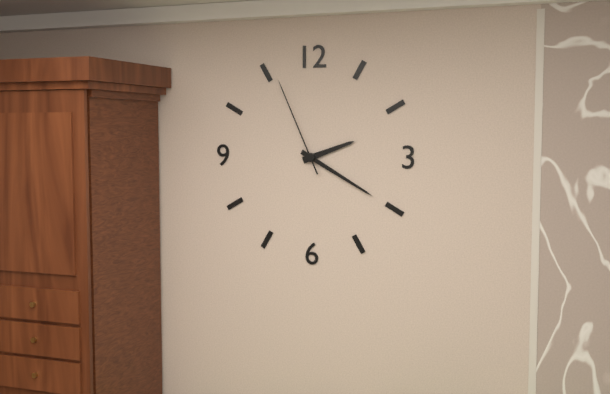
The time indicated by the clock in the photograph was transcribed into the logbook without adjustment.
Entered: 2:20:56
